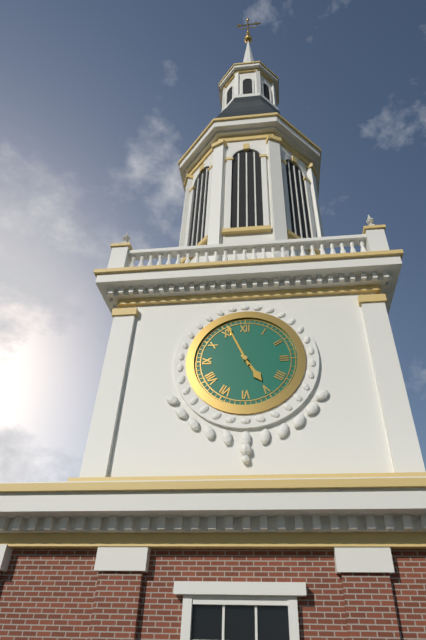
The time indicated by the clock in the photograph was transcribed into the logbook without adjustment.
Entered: 4:56
